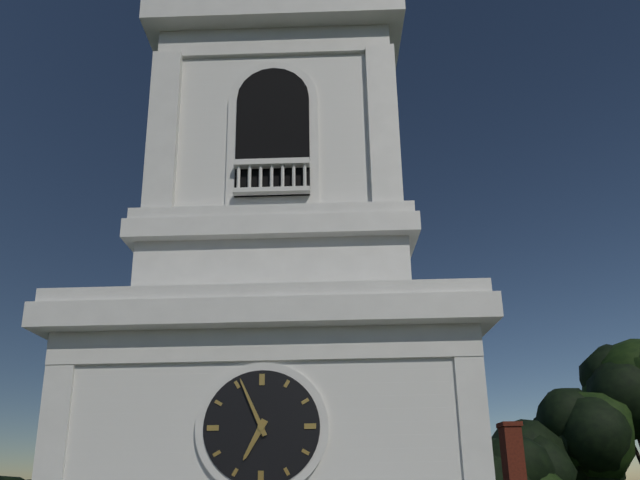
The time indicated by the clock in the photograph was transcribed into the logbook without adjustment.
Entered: 6:56
